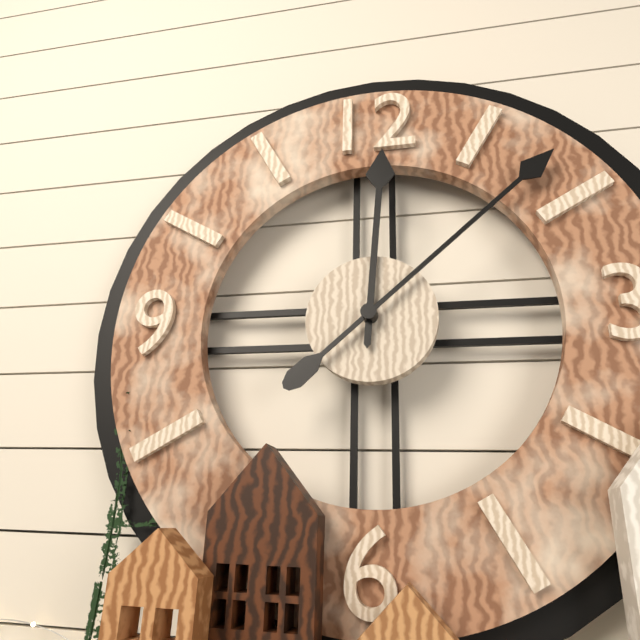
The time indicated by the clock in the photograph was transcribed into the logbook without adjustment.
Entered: 12:08
